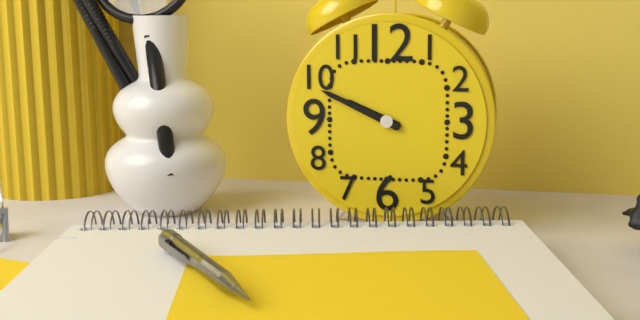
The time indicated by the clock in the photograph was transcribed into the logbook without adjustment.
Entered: 9:49
